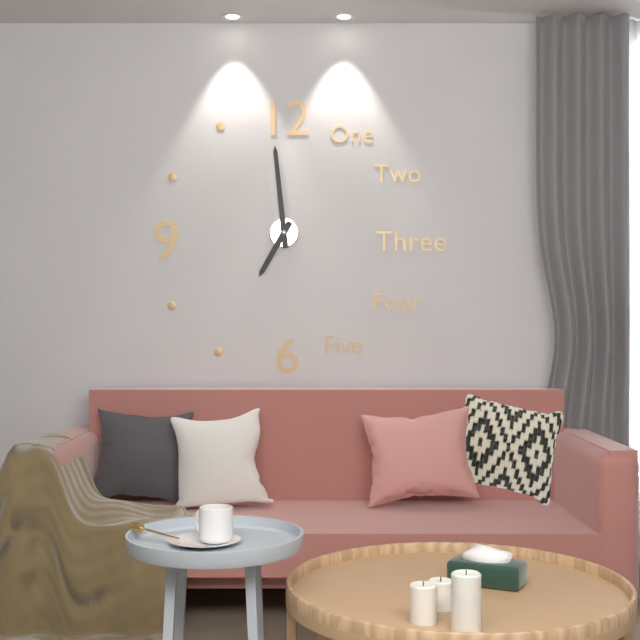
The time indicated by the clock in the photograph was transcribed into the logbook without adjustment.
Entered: 6:59
